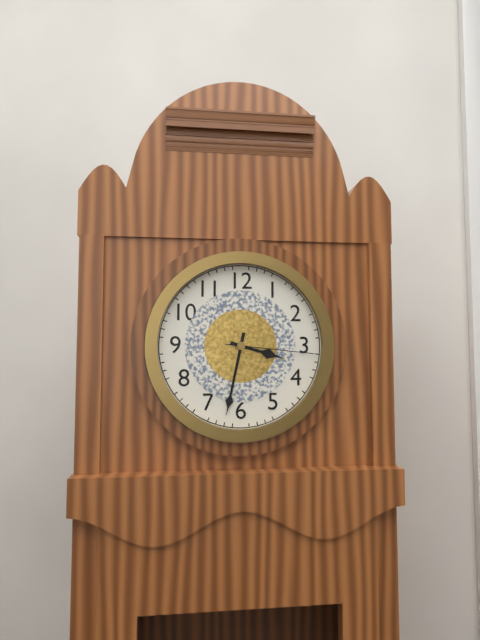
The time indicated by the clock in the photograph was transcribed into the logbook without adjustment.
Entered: 3:32:16
